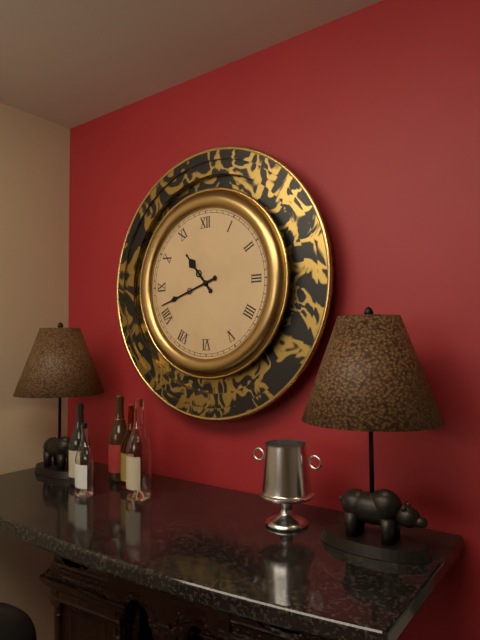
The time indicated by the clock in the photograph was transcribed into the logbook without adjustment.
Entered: 10:42
